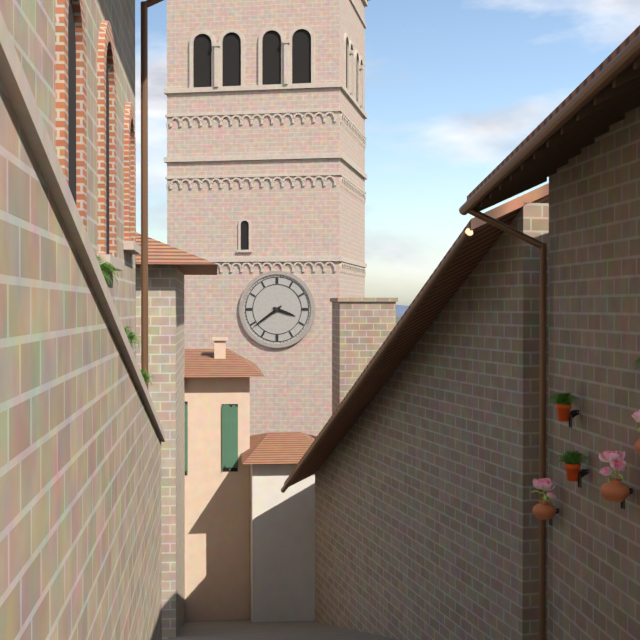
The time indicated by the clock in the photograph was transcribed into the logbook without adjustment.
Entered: 3:39
